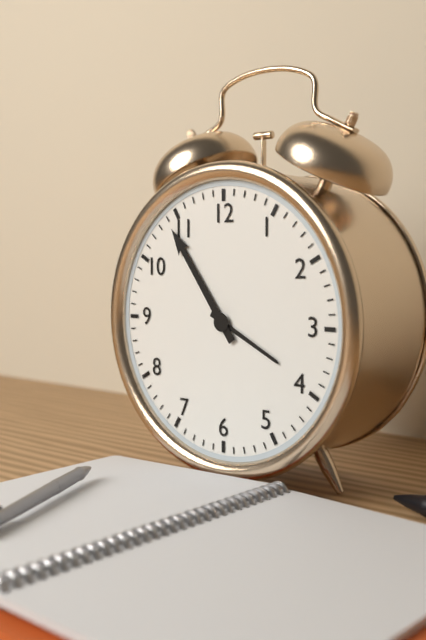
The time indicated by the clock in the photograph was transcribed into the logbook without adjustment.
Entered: 3:54
